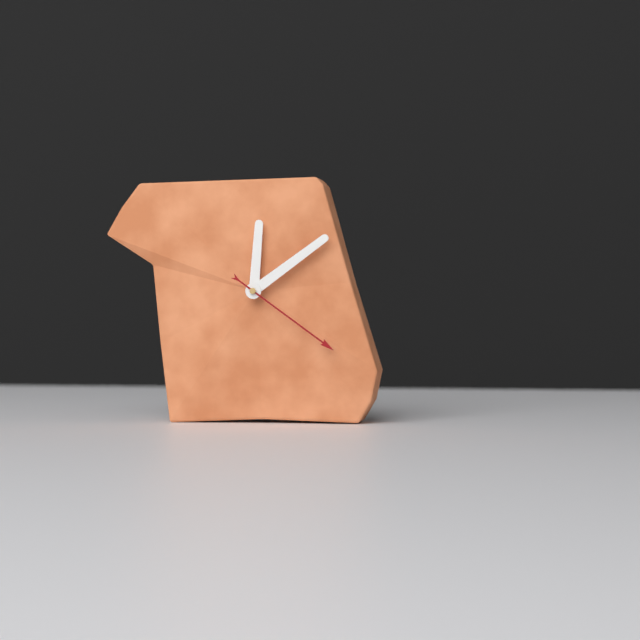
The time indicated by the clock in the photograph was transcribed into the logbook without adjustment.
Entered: 12:09:21
